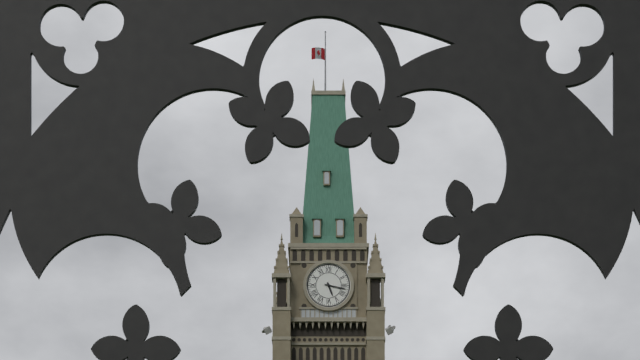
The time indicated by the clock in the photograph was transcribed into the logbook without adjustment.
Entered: 5:17
